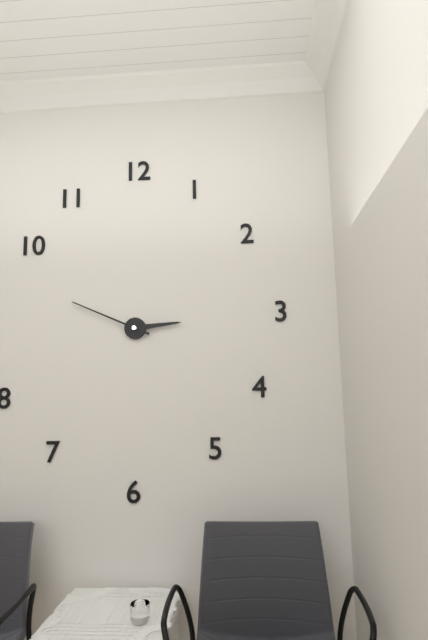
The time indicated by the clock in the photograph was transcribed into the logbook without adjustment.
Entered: 2:49
